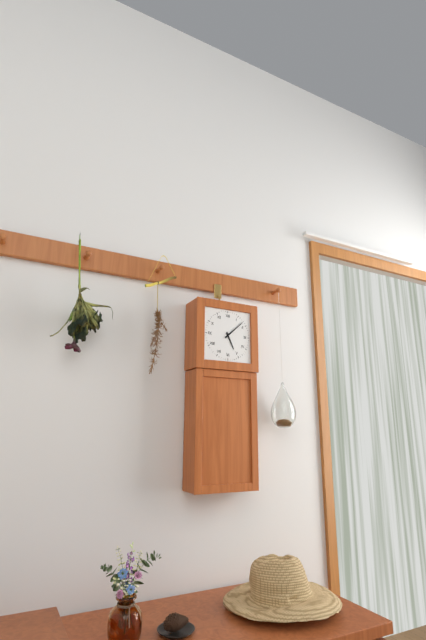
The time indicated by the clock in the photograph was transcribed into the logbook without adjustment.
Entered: 5:08
